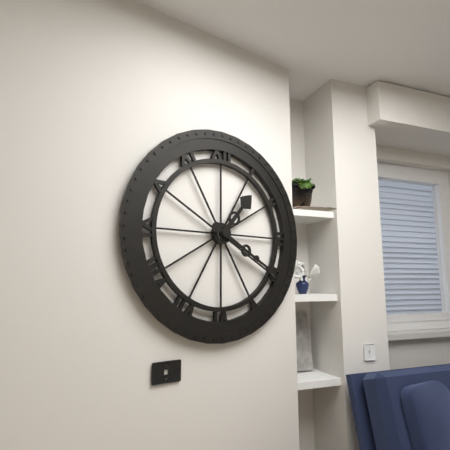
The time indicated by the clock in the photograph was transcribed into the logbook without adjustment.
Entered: 1:20
